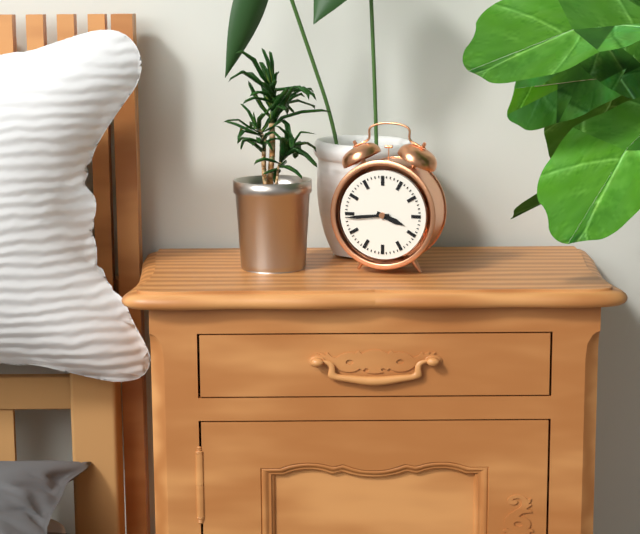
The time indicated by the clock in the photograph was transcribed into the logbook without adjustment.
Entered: 3:44
